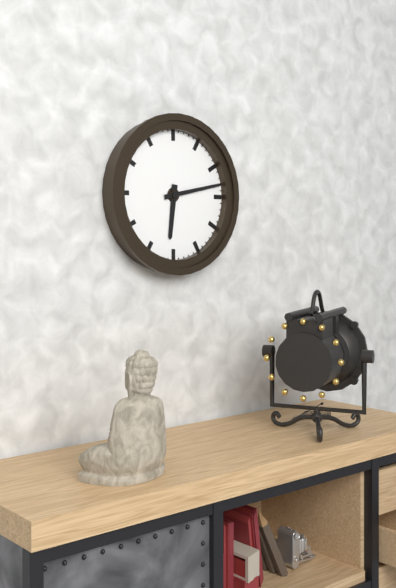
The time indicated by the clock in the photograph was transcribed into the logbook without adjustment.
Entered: 6:13
